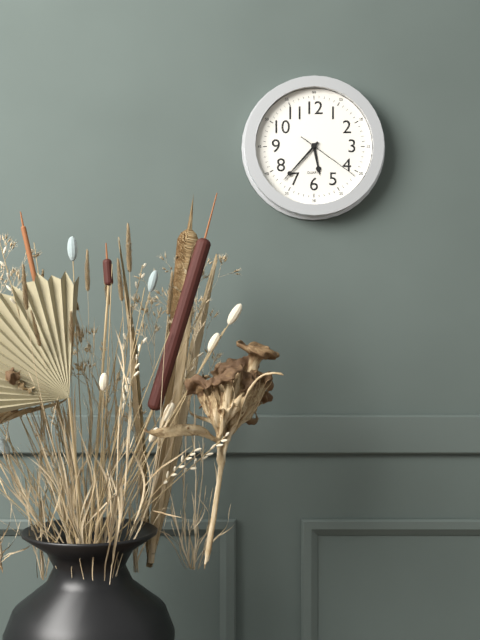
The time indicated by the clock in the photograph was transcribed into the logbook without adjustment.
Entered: 5:37:21
